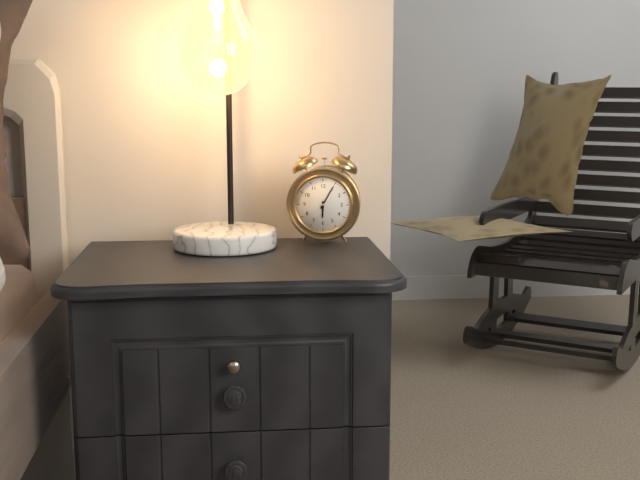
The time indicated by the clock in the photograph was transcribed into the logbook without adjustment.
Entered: 6:05
